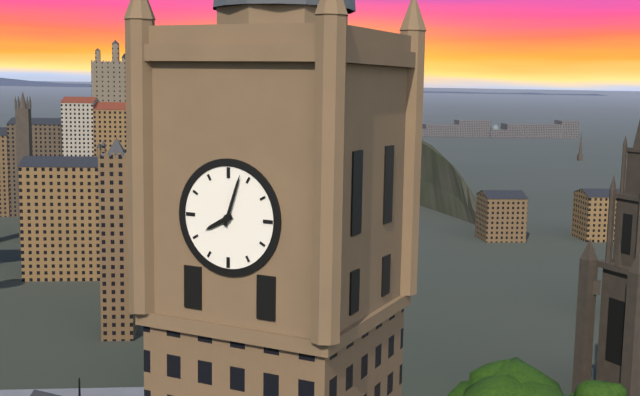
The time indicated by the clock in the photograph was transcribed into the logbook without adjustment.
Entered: 8:03
